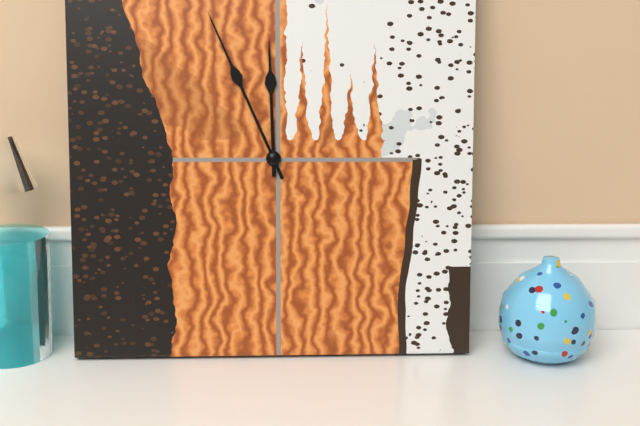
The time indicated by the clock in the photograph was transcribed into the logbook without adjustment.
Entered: 11:56
